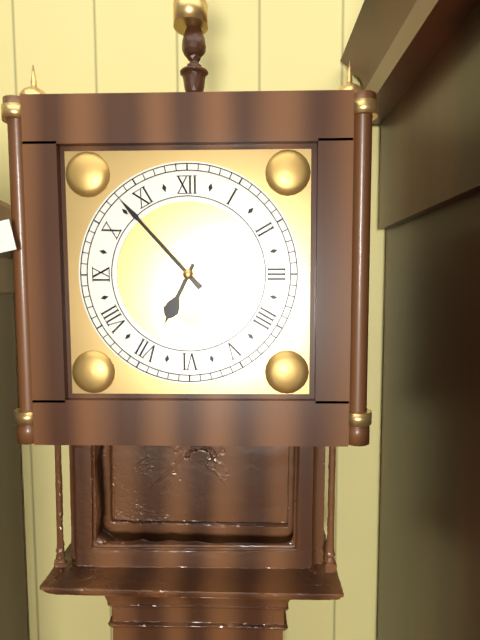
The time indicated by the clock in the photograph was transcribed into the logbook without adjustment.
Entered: 6:53
